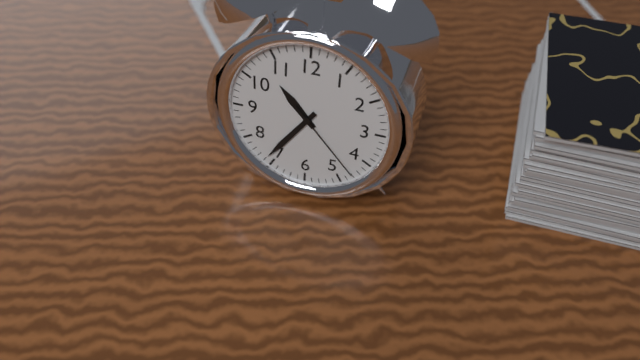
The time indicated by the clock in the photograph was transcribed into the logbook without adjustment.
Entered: 10:36:23
